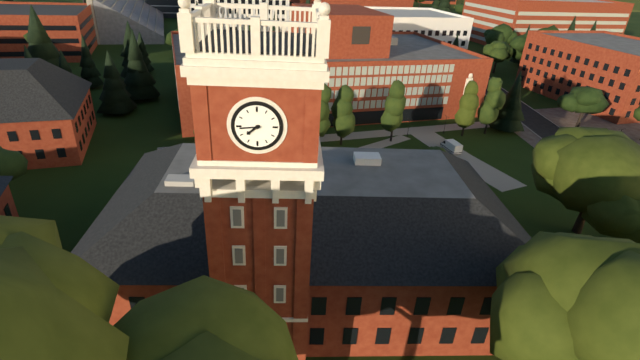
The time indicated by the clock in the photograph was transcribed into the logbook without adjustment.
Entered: 7:44
